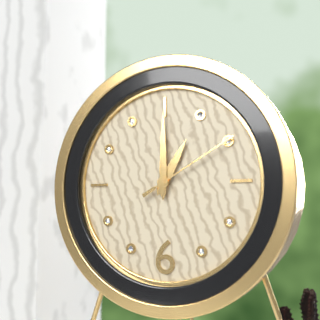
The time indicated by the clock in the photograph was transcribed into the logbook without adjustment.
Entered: 1:00:10
